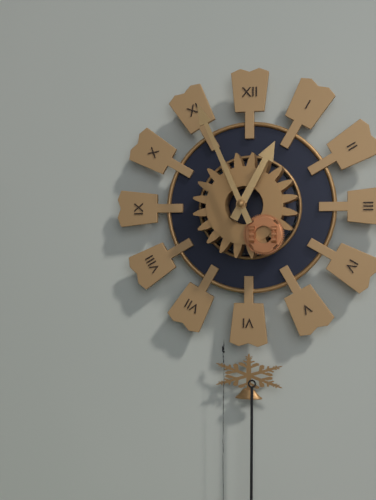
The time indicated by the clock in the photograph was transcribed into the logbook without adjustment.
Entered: 12:56
